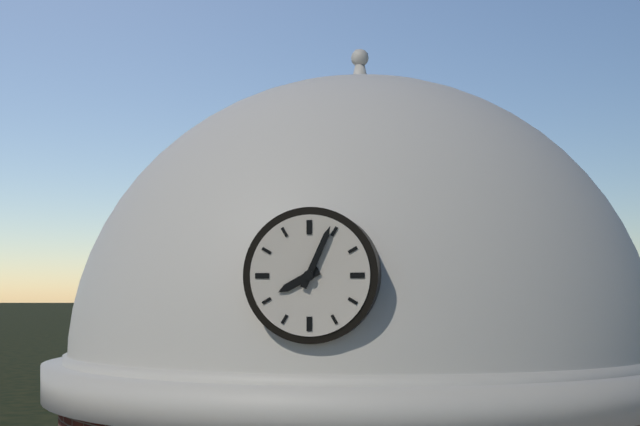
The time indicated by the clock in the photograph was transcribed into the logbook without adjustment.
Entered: 8:04
